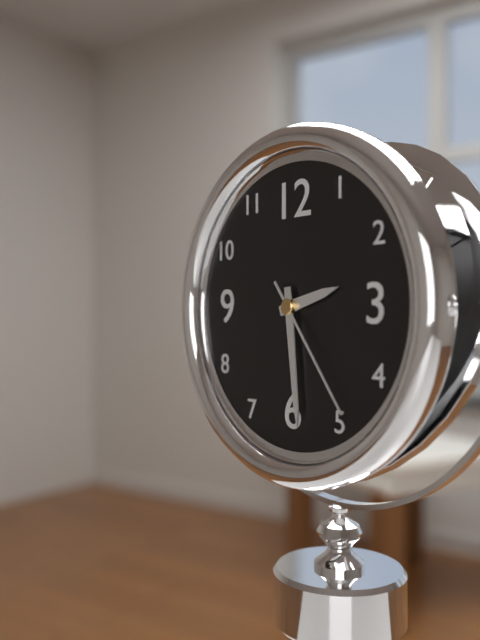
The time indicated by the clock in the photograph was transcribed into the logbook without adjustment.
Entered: 2:29:24
